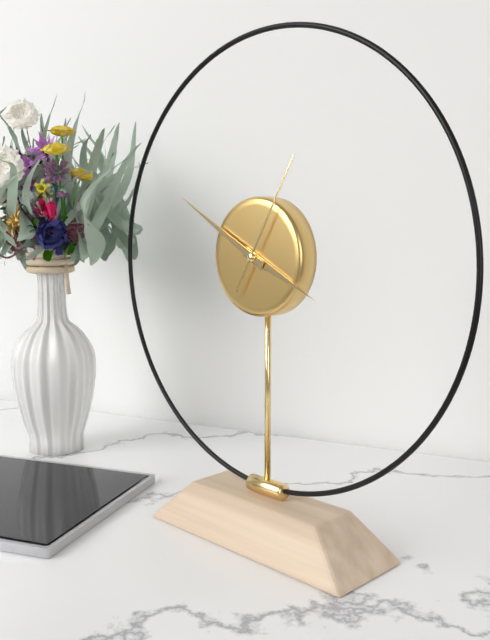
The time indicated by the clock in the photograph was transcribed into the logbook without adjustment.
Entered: 3:50:05
